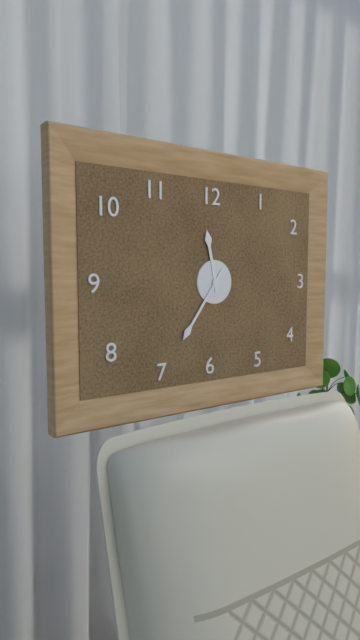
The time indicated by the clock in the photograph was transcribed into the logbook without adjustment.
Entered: 11:36
